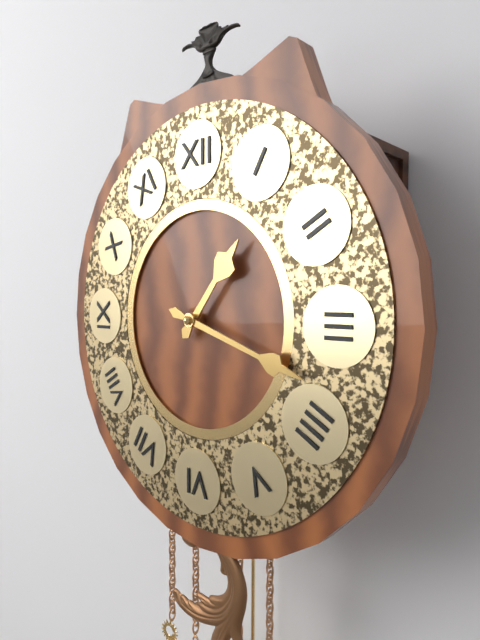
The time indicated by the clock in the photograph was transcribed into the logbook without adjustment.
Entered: 1:18
